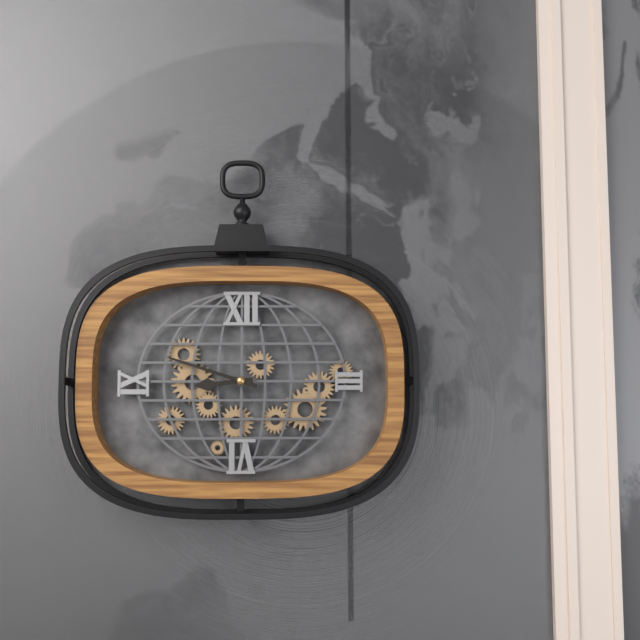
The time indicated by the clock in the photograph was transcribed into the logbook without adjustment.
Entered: 8:48
